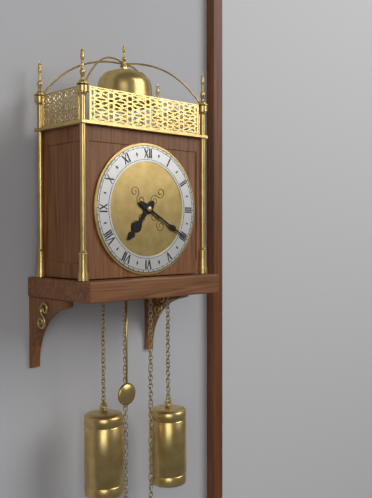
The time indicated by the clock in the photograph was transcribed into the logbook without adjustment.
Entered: 7:20
